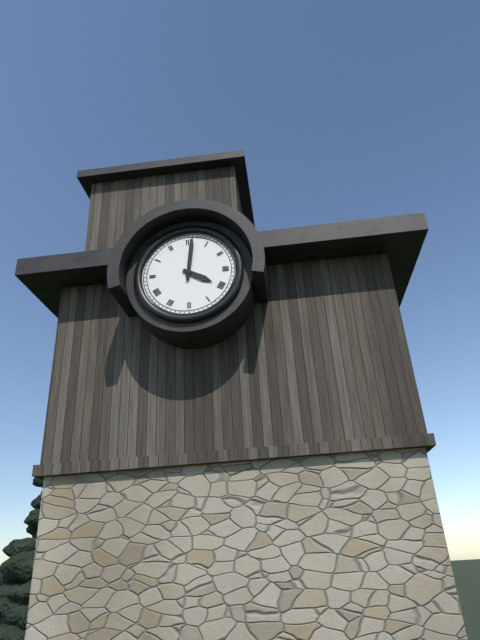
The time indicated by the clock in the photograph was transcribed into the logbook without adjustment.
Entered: 4:01
